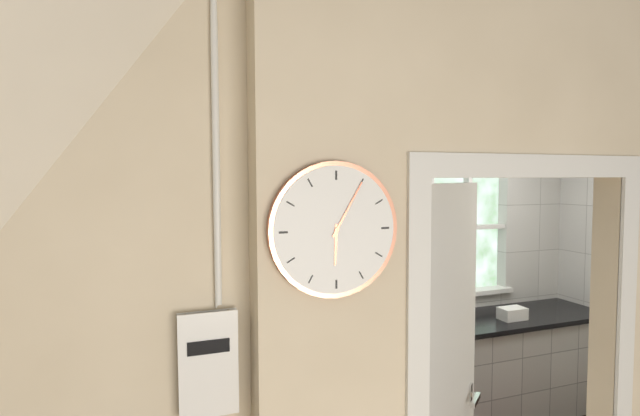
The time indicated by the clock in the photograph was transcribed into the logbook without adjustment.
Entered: 6:05
